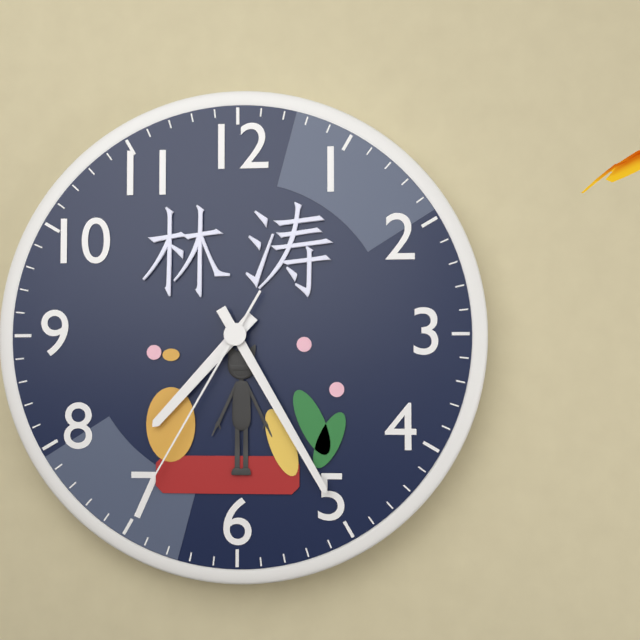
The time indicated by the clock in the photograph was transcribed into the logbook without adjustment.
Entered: 7:25:35
